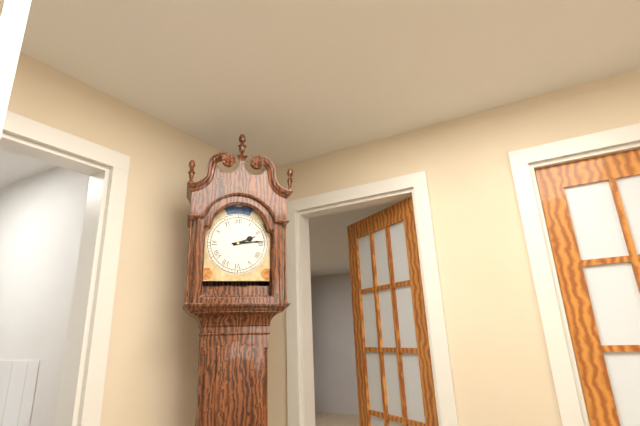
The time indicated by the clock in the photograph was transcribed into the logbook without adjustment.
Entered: 2:14
